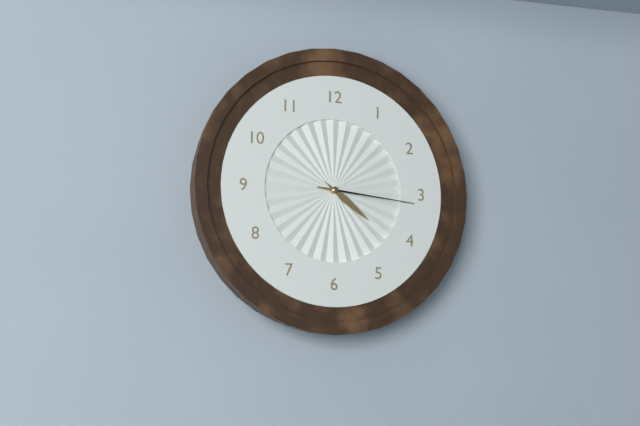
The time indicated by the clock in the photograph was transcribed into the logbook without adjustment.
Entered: 4:16
